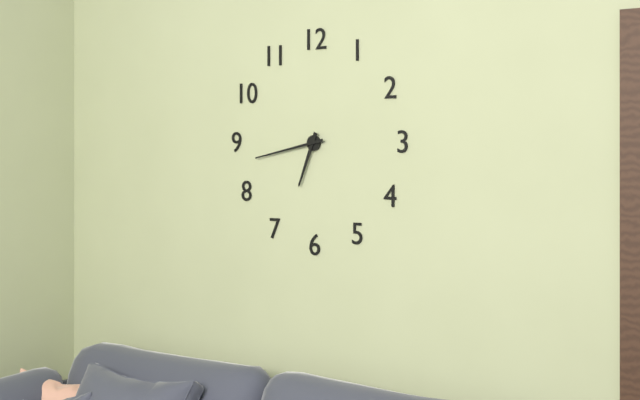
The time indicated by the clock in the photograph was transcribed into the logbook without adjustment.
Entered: 6:43
